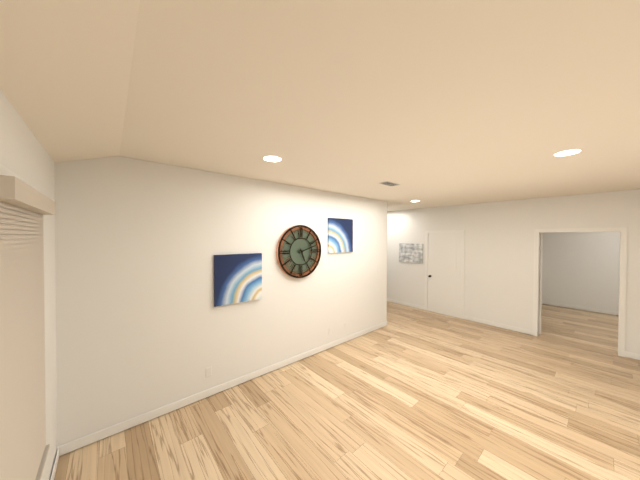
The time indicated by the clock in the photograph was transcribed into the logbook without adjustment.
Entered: 5:12
